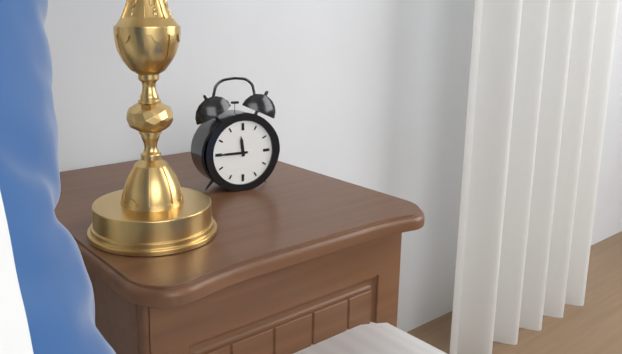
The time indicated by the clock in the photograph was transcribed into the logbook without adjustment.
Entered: 11:45
